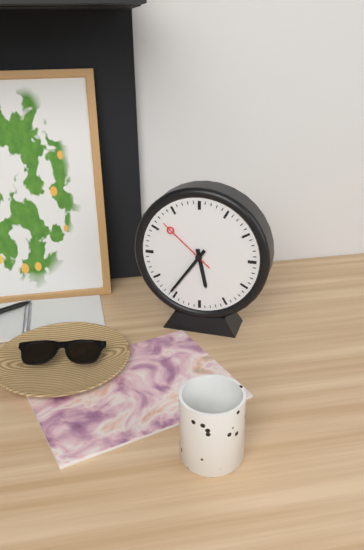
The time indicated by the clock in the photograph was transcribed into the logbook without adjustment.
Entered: 5:36:52
